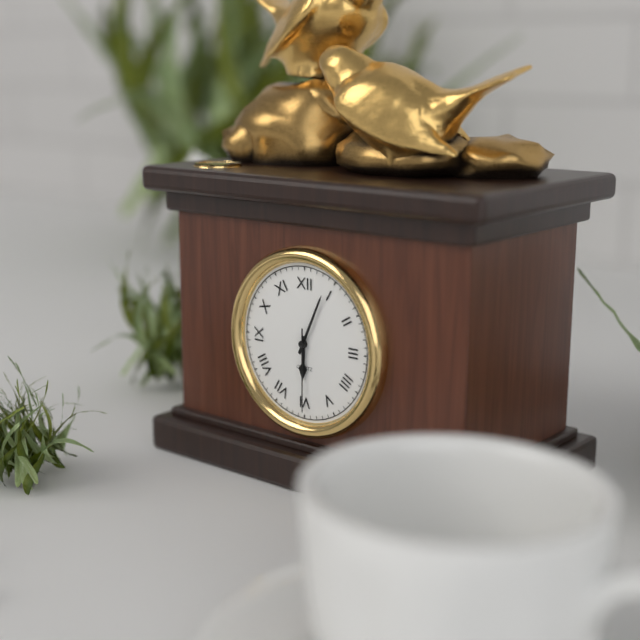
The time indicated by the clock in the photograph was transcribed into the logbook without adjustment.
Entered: 6:04:30
